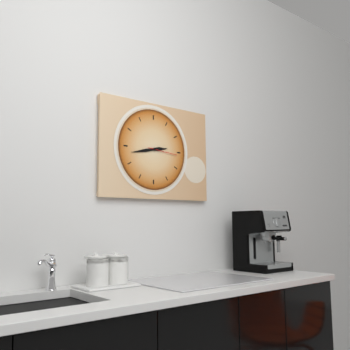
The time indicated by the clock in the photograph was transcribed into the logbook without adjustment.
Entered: 2:43
